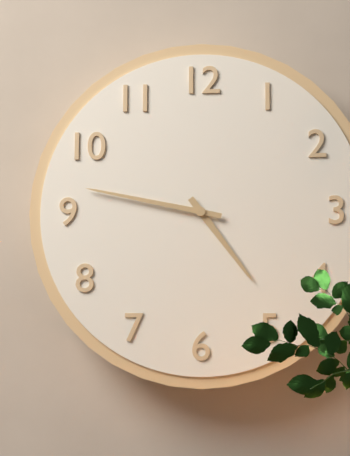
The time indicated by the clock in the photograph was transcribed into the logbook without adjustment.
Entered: 4:47
